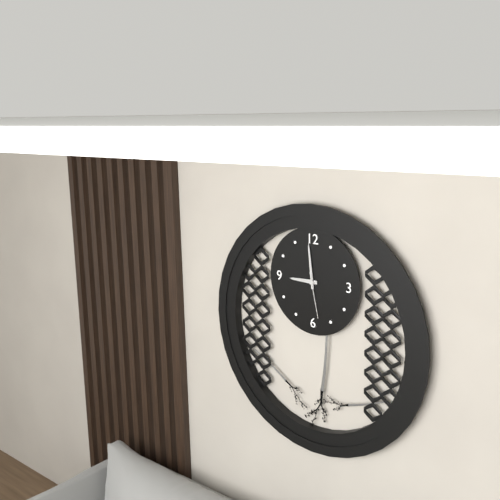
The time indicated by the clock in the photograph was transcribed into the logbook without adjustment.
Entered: 8:59
